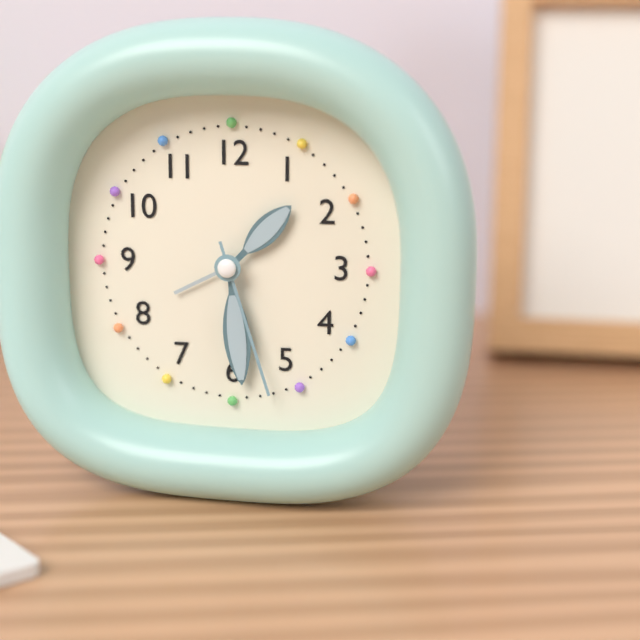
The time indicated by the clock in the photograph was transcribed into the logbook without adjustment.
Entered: 1:29:27
